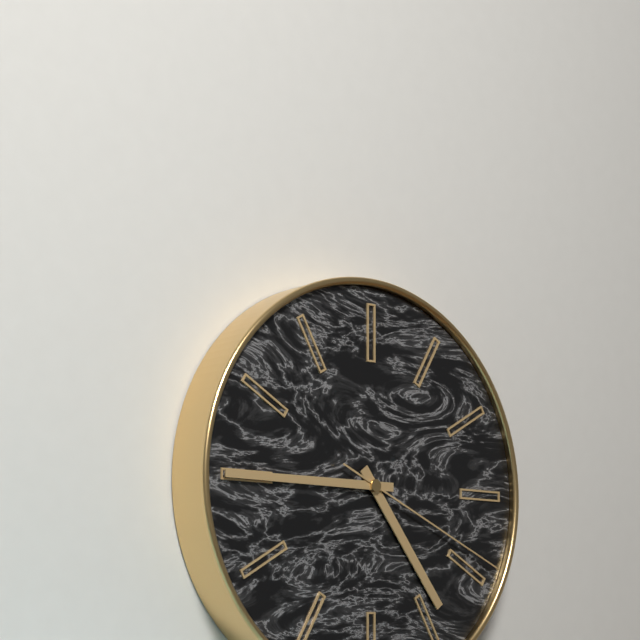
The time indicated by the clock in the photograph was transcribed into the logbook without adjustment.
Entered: 4:45:19
